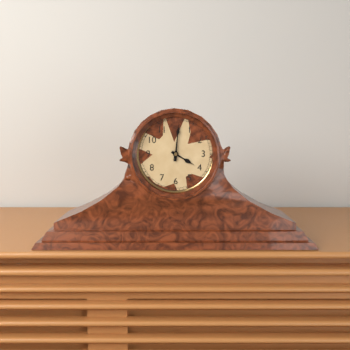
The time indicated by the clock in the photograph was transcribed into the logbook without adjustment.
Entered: 4:01
